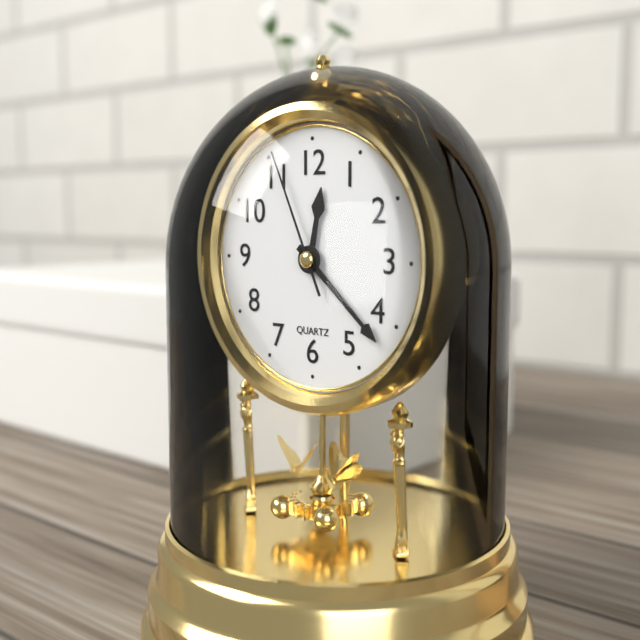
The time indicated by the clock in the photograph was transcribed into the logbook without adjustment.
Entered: 12:22:56
